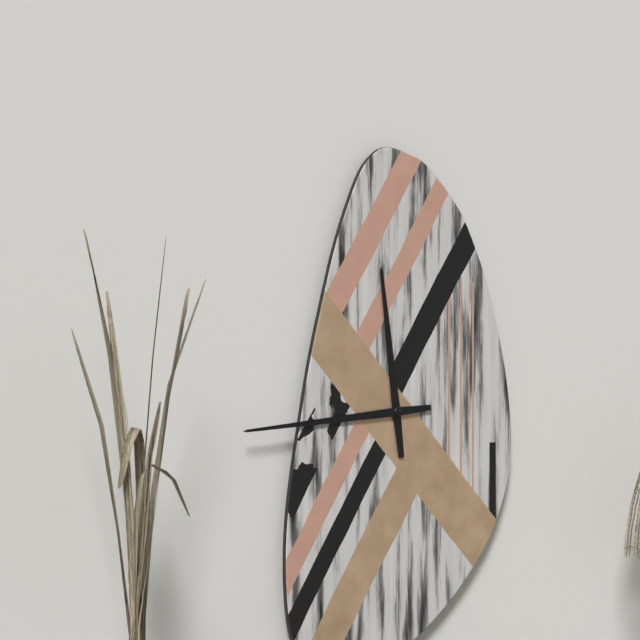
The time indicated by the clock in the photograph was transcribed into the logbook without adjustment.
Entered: 11:44
